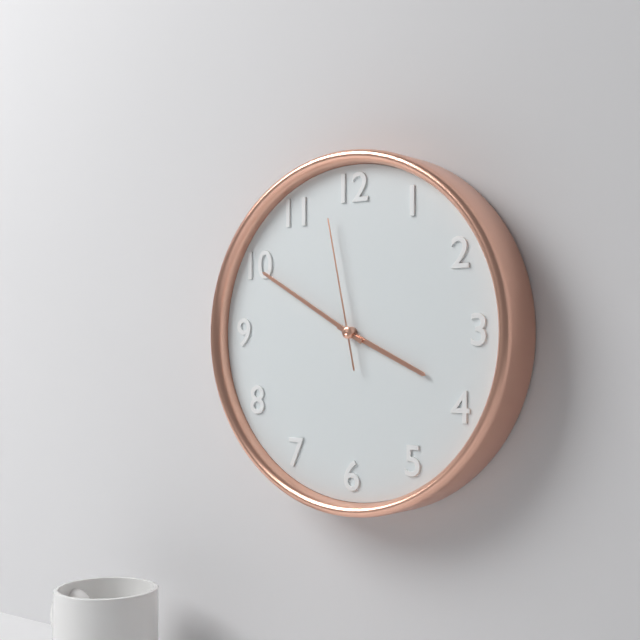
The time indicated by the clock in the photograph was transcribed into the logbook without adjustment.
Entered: 3:50:58
